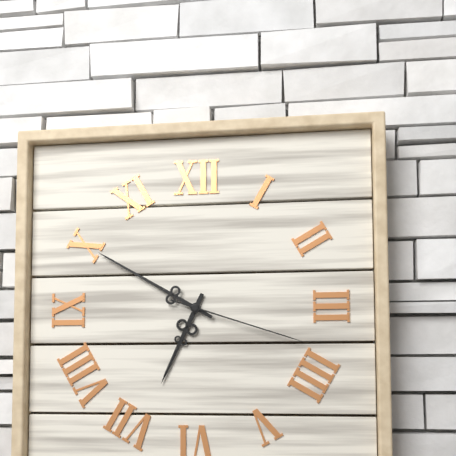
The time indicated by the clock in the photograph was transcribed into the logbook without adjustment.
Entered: 6:50:18
